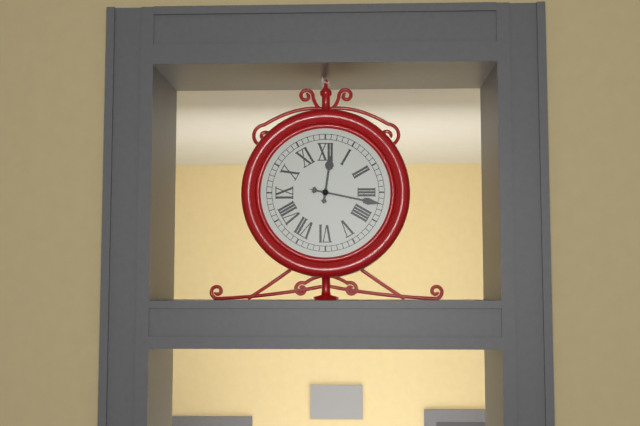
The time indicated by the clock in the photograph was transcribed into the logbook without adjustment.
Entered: 12:17
